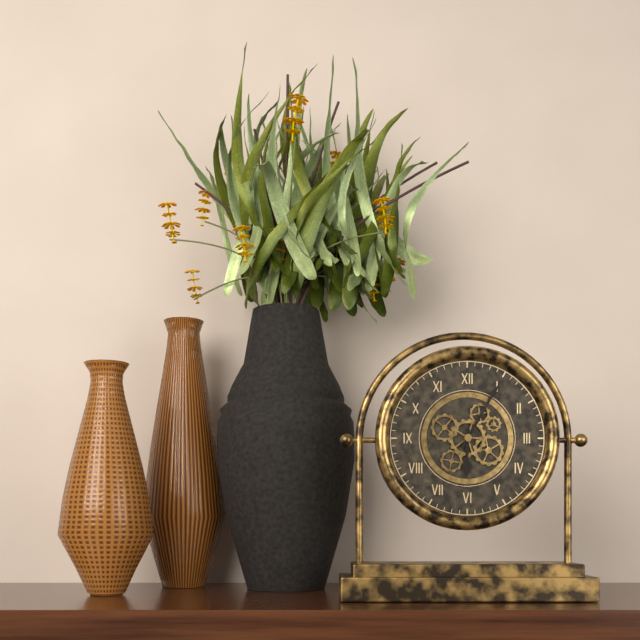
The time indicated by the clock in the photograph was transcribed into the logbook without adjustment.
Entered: 6:05
